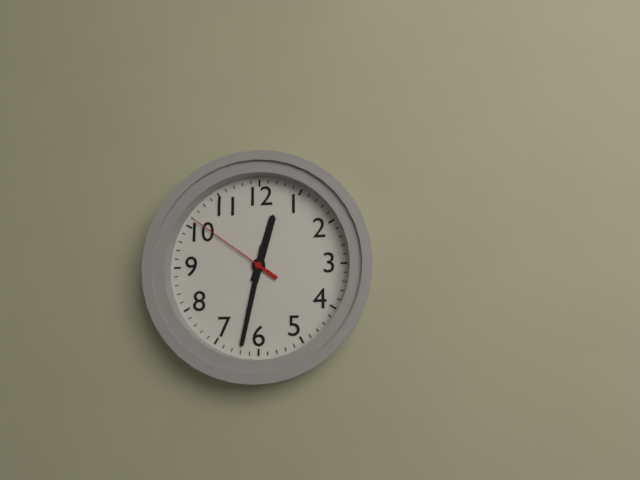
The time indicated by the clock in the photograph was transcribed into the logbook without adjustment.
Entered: 12:32:51
